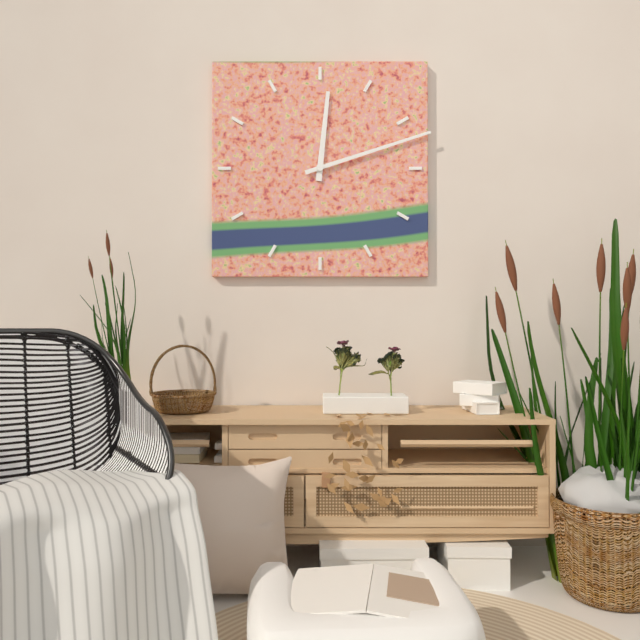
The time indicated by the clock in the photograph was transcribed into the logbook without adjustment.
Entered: 12:12
